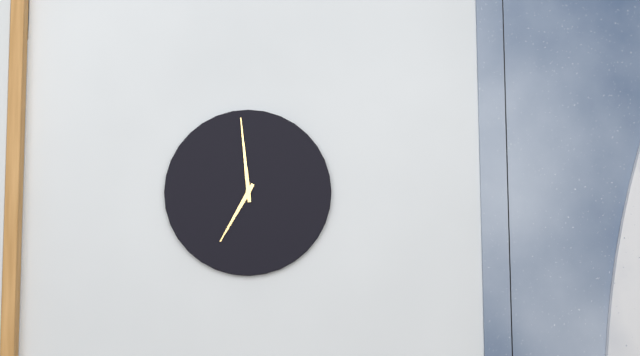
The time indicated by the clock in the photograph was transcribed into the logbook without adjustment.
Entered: 6:59
